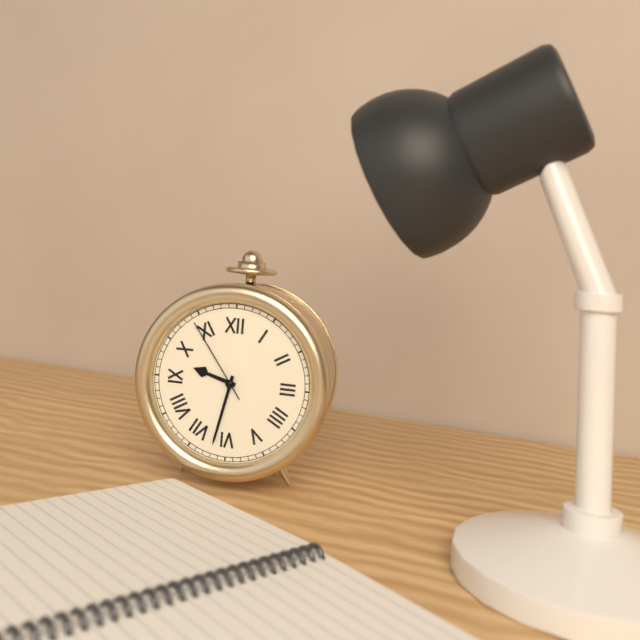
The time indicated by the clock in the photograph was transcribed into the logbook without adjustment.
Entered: 9:32:54
